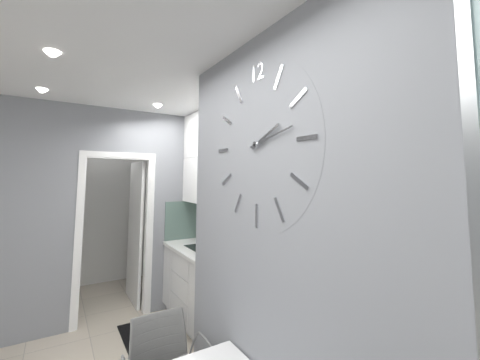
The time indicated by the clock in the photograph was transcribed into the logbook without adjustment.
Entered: 2:13
